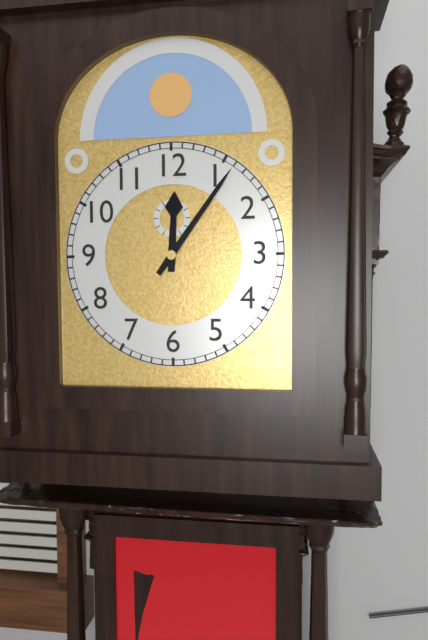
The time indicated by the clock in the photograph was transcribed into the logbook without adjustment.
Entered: 12:06
